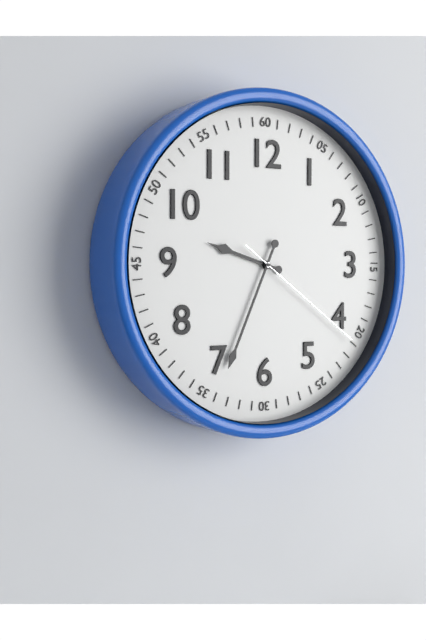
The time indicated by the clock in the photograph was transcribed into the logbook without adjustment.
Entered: 9:34:21
